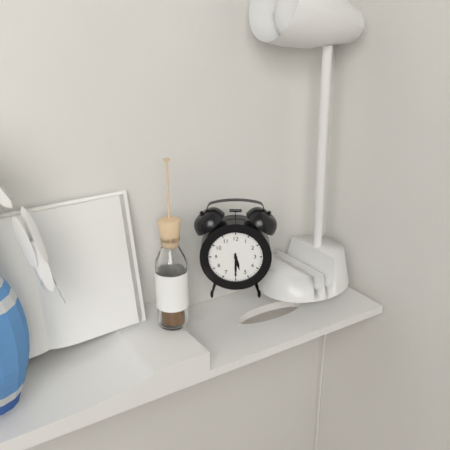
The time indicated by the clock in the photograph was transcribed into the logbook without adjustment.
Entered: 5:30
